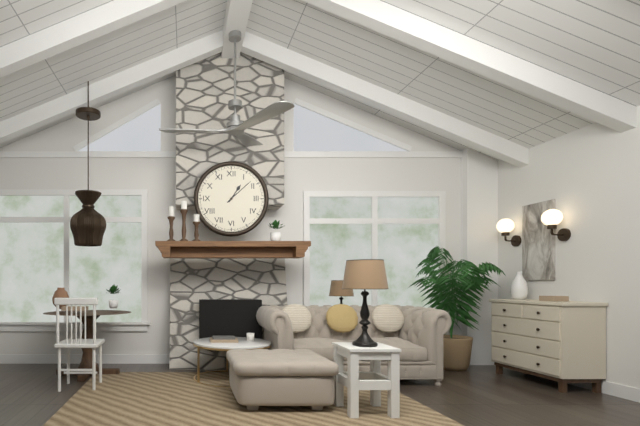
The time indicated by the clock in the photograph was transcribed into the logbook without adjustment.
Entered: 1:08
